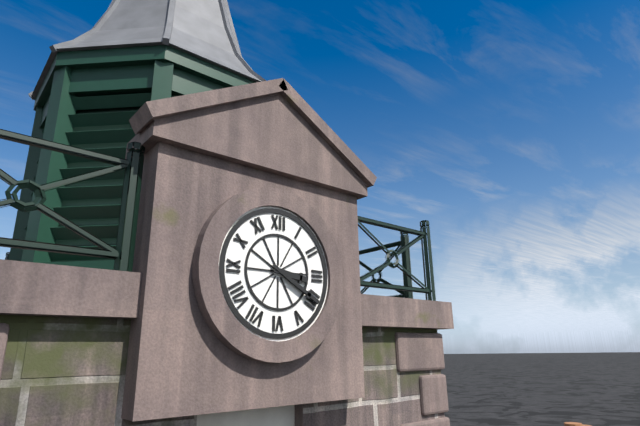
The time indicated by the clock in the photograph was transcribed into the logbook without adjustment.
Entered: 3:20
